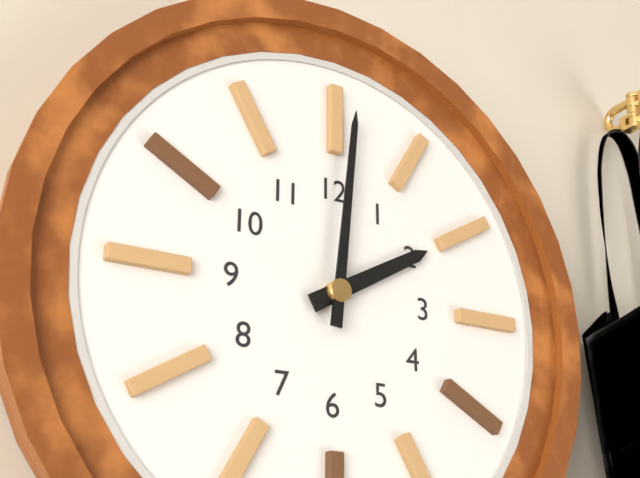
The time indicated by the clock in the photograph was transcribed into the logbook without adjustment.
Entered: 2:01
